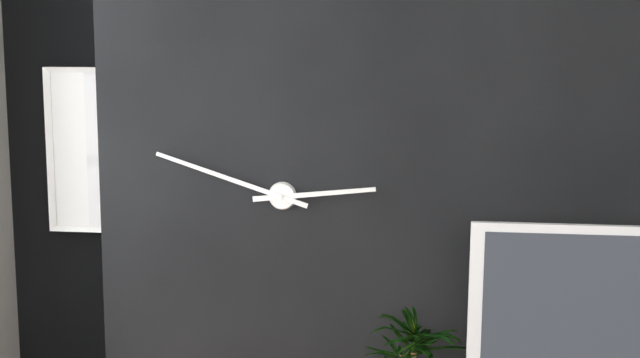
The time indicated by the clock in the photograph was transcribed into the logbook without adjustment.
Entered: 2:48
